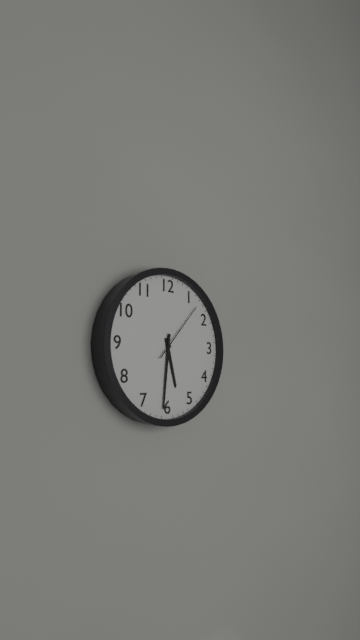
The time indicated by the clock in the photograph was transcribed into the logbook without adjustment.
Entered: 5:31:07
